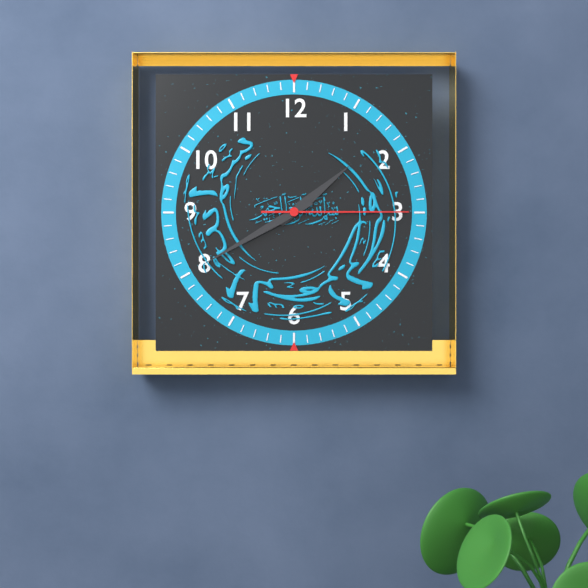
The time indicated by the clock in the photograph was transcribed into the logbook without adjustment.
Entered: 1:40:15
